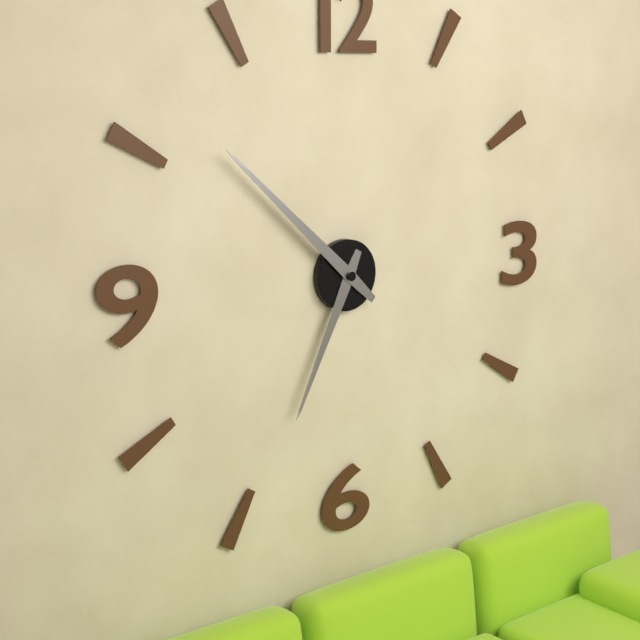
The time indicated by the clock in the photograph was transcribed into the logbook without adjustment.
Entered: 6:52
